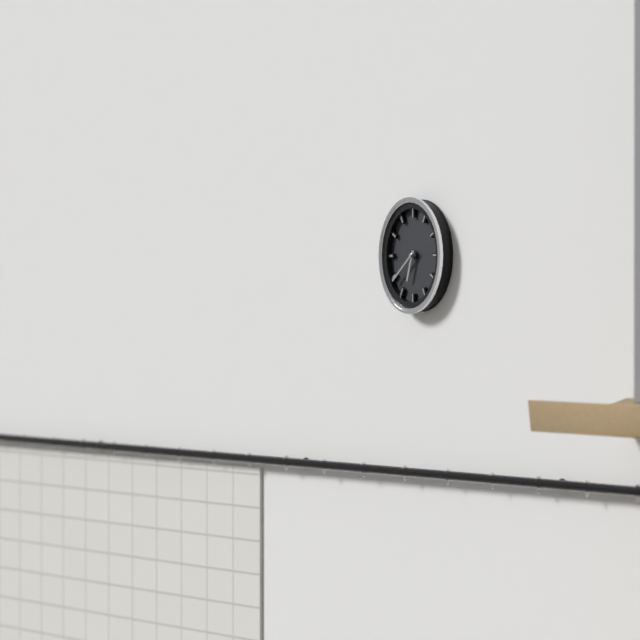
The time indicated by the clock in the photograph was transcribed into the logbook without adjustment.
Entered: 6:39
